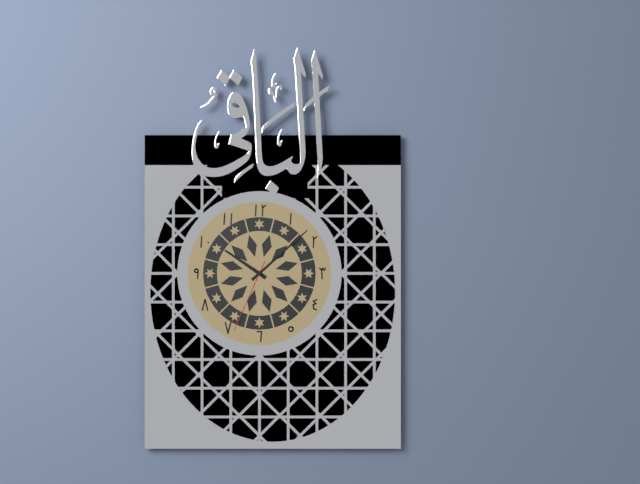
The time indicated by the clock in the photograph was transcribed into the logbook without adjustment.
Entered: 10:08:34
